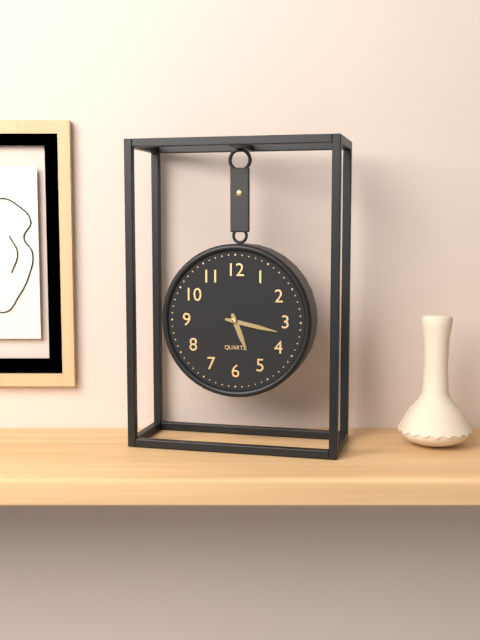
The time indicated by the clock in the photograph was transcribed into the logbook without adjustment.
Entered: 5:17
